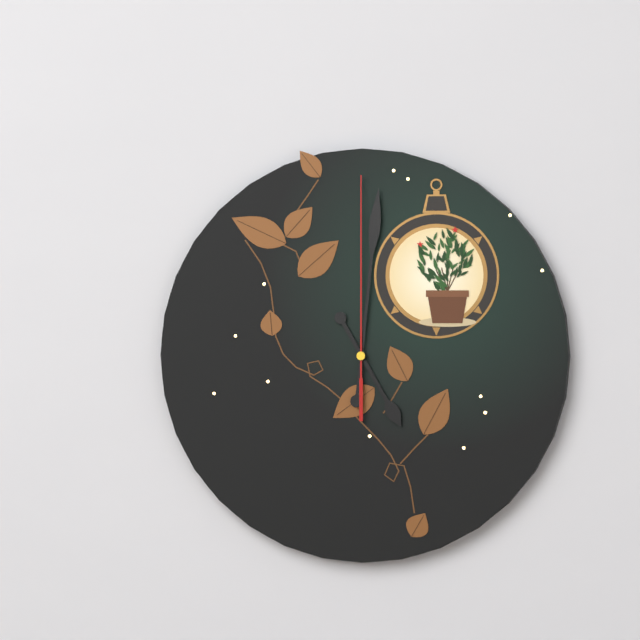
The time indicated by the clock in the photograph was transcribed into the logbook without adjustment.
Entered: 5:01:00
